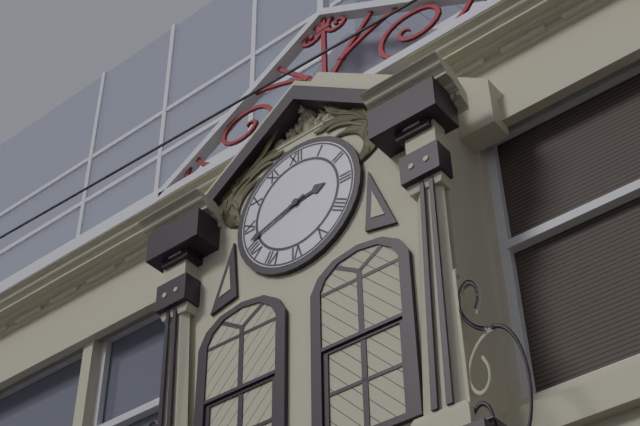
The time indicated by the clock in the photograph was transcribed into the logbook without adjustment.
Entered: 2:42
